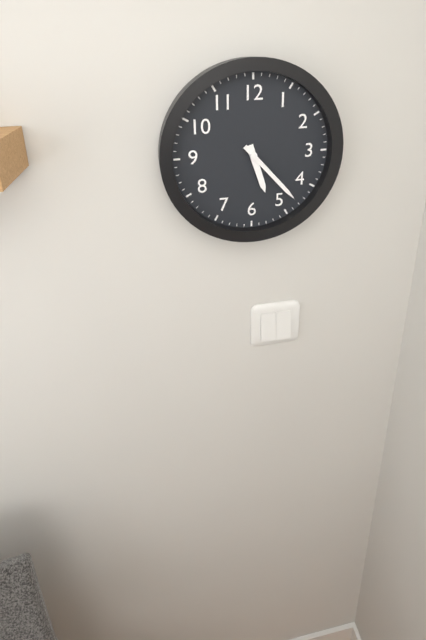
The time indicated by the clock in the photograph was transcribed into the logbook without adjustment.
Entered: 5:23
